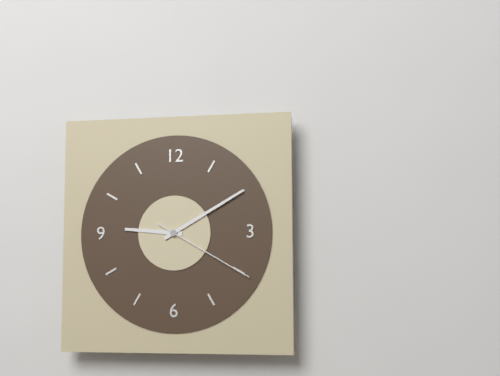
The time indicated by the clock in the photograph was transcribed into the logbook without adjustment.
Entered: 9:10:20
